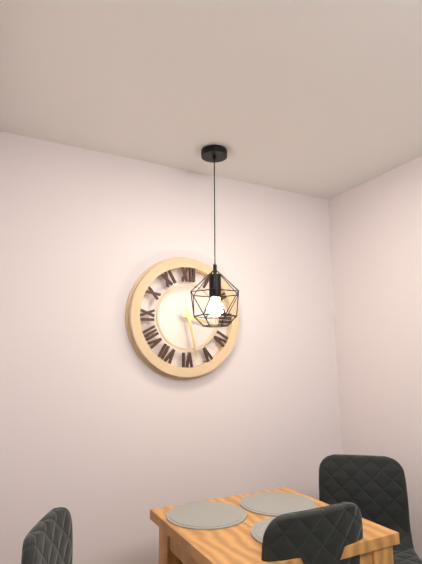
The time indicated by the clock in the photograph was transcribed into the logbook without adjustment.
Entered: 3:28
